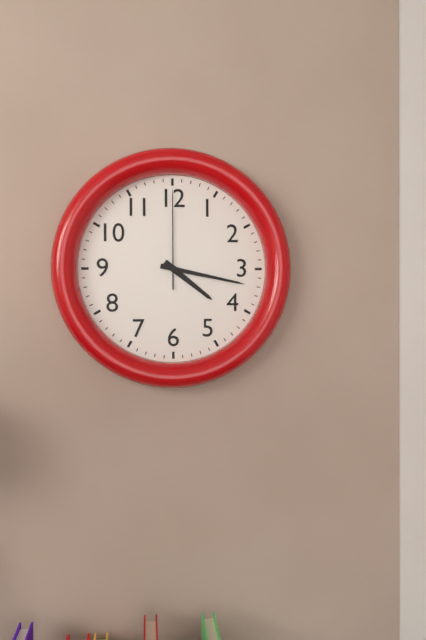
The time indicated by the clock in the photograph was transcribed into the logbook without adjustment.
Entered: 4:17:00
